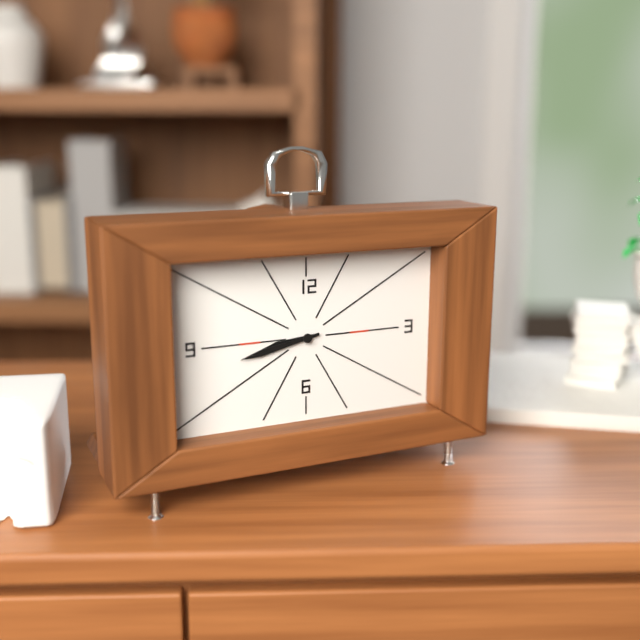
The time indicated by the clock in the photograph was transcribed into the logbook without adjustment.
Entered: 8:43
